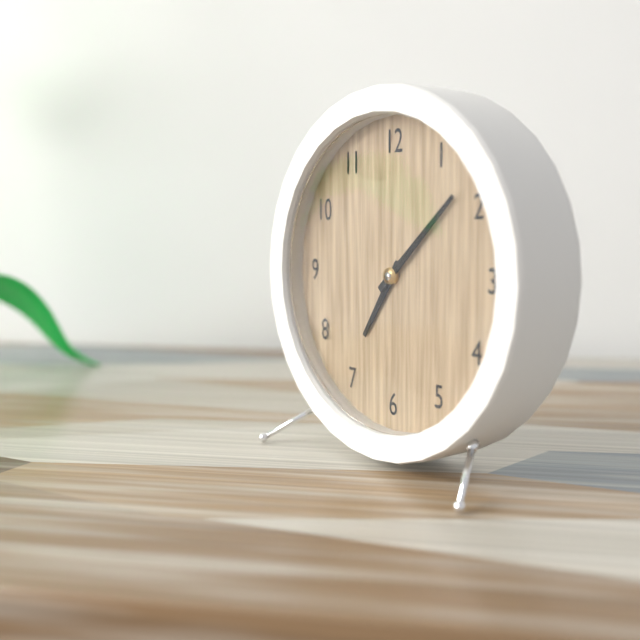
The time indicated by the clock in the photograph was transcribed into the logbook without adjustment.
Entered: 7:08
